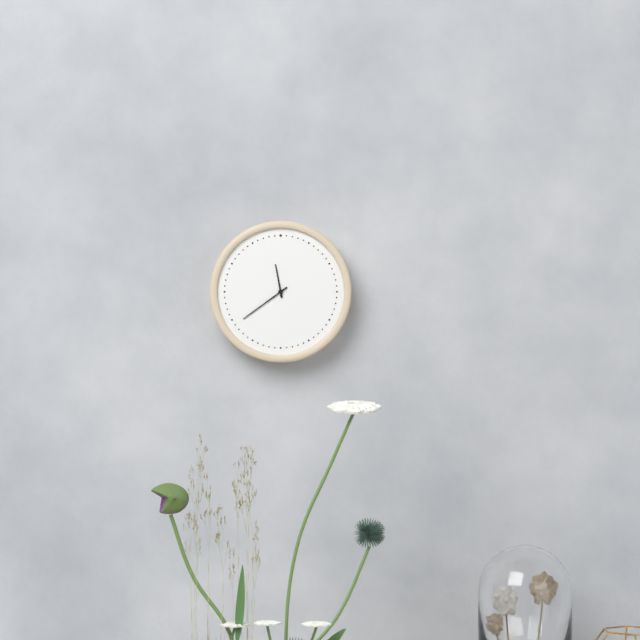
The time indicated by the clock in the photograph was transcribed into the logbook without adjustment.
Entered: 11:39
